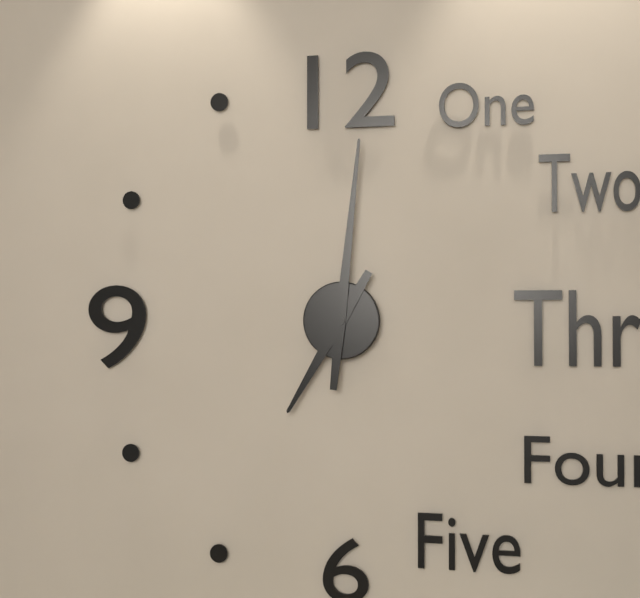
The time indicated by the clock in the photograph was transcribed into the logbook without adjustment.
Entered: 7:01
